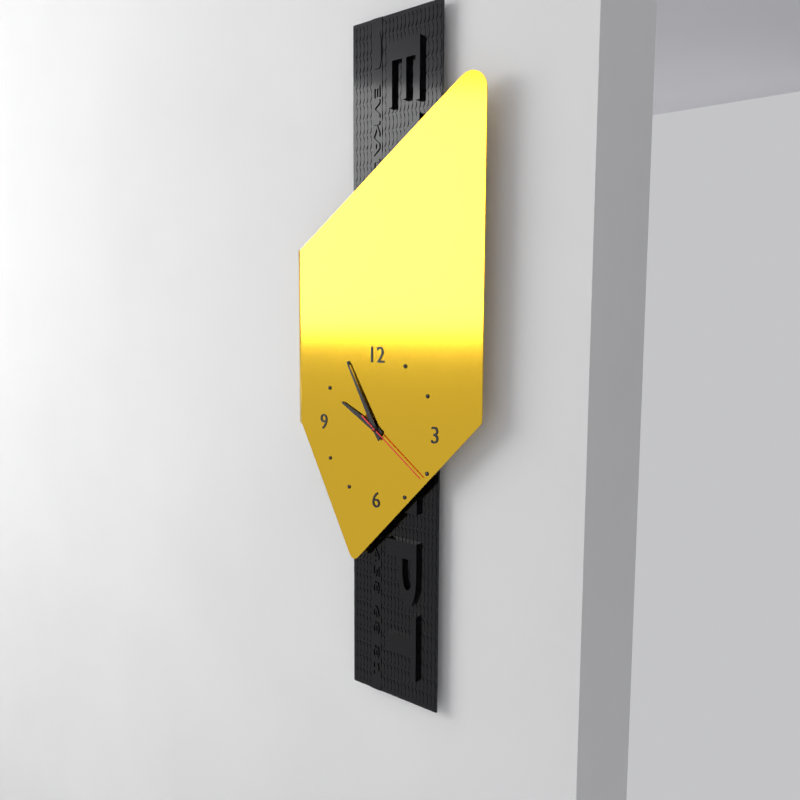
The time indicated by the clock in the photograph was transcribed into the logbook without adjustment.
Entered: 9:55:21
